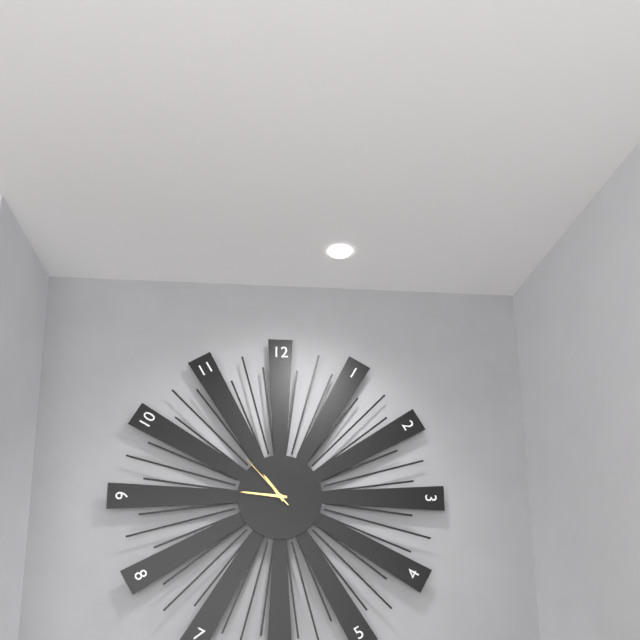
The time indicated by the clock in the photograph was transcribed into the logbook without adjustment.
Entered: 10:46:53
